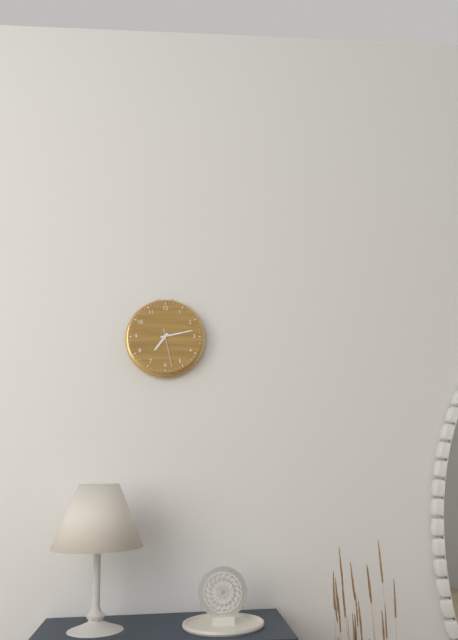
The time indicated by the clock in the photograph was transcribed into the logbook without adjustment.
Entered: 7:13
